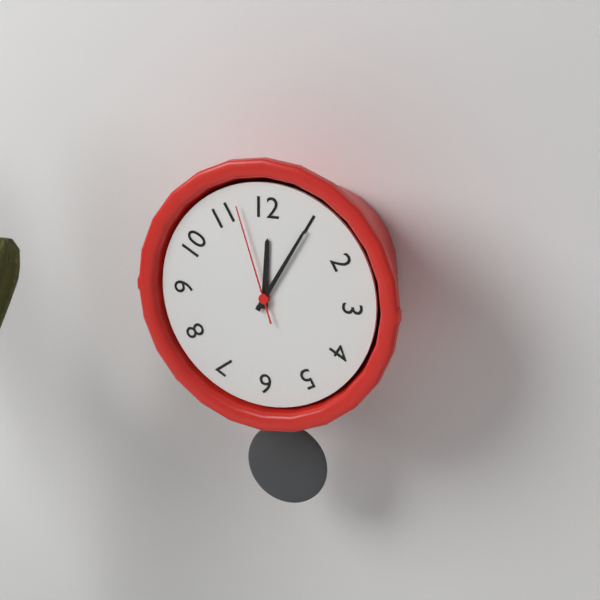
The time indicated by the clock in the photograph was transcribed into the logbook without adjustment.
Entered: 12:05:57
